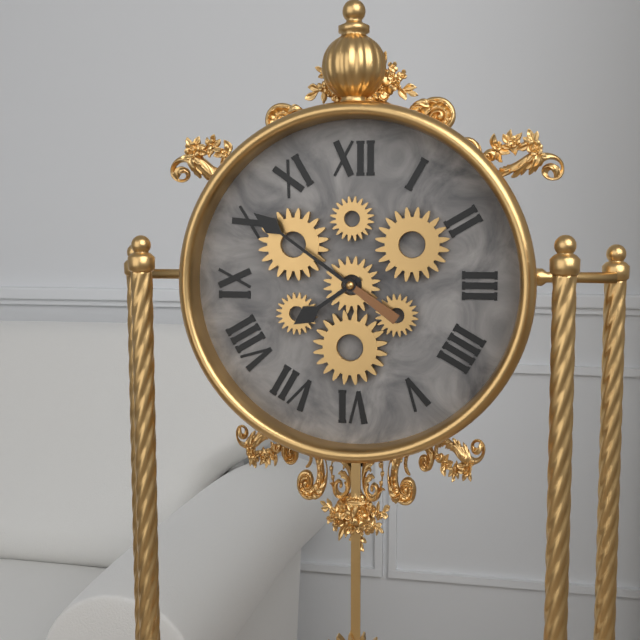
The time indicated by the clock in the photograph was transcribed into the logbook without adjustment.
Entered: 7:51
